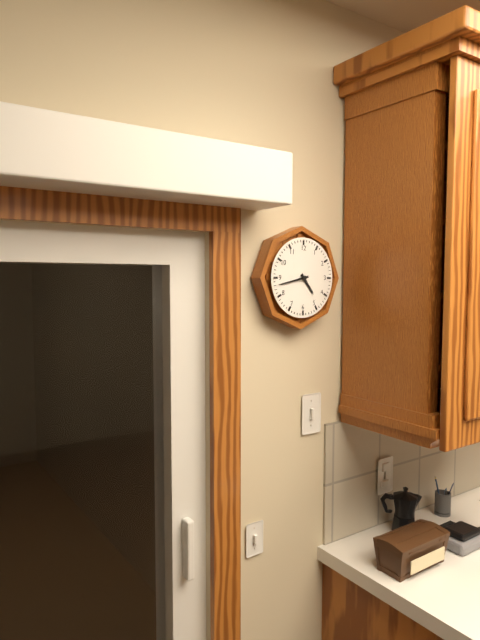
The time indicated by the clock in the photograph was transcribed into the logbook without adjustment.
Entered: 4:43
